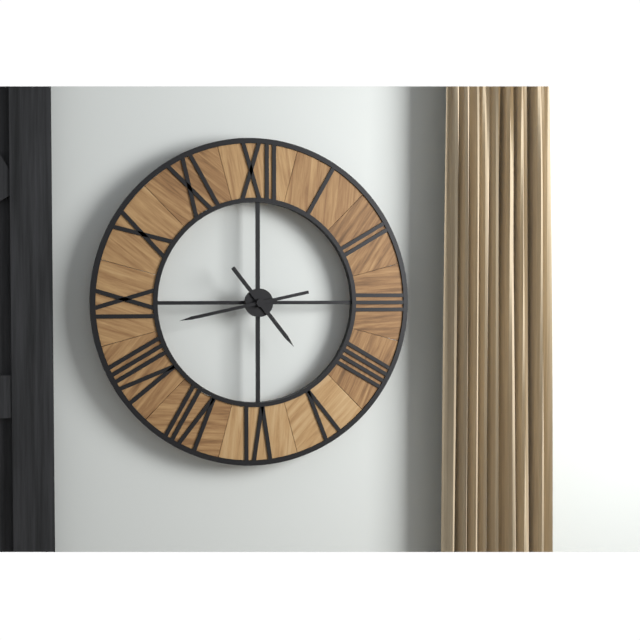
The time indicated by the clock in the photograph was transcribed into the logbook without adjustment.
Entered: 4:43
